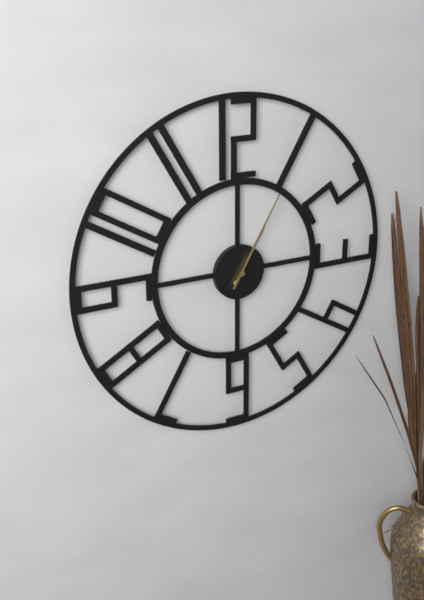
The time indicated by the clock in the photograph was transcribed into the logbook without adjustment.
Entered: 1:05
